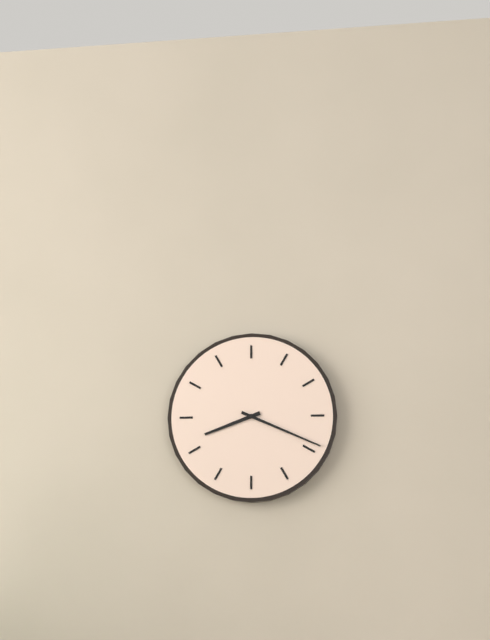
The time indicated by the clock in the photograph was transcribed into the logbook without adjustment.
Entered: 8:19
